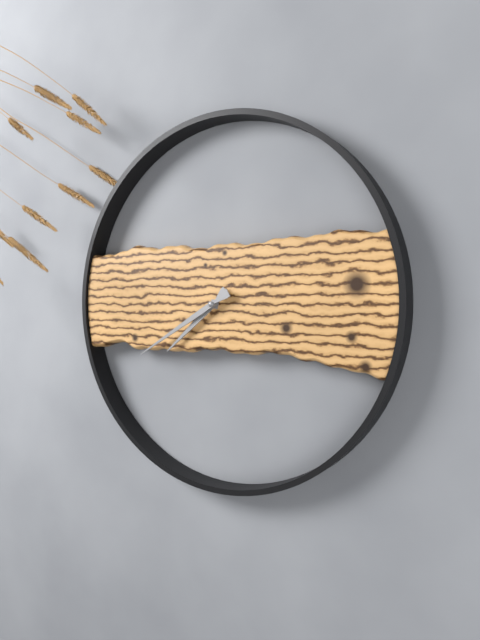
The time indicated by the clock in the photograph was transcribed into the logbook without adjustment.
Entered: 7:40
